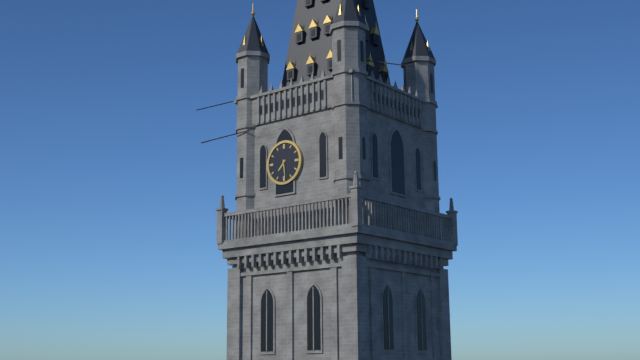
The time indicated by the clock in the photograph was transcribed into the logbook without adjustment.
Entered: 7:29
